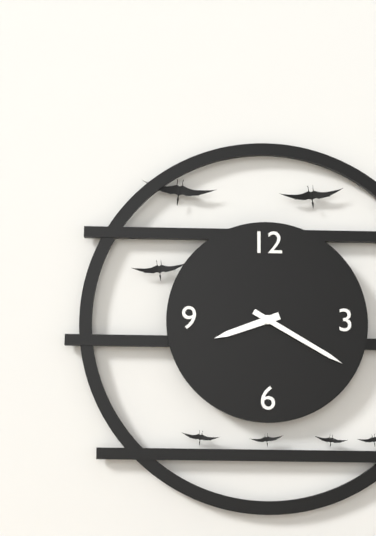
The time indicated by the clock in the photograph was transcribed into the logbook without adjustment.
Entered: 8:20
